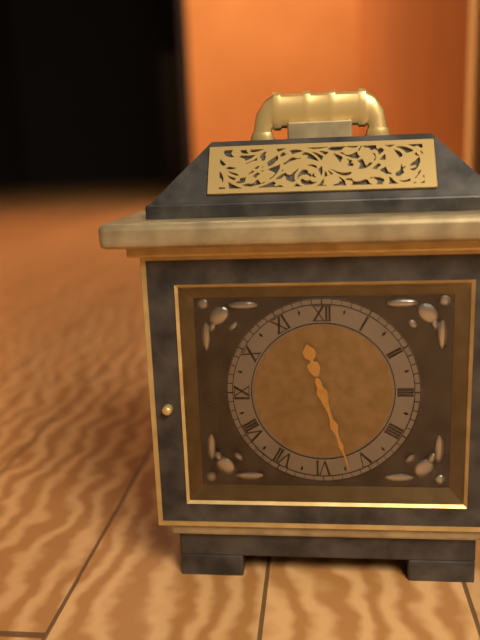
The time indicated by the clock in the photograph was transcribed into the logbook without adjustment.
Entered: 11:27
